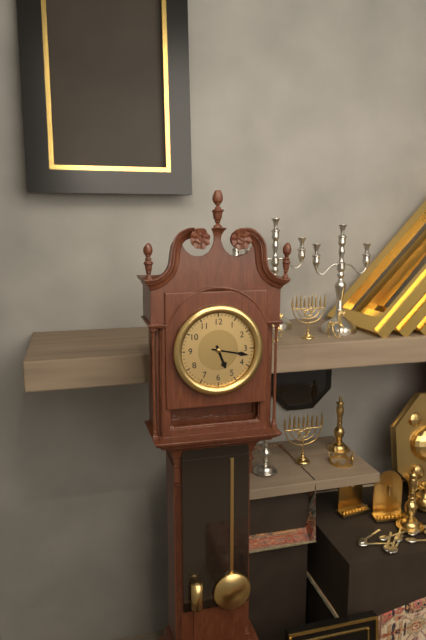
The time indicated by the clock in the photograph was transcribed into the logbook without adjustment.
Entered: 5:17
